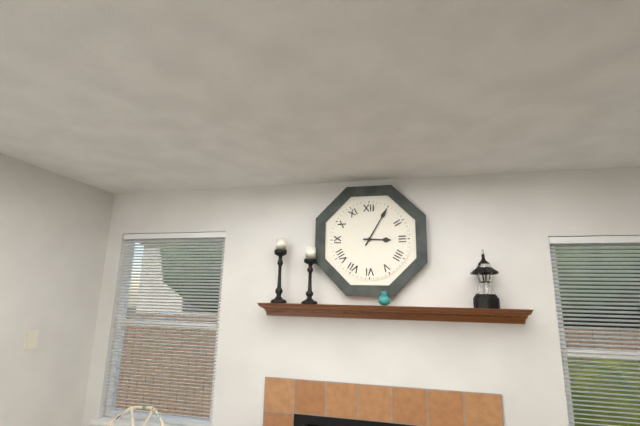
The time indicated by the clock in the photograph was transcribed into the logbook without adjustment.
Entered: 3:05
